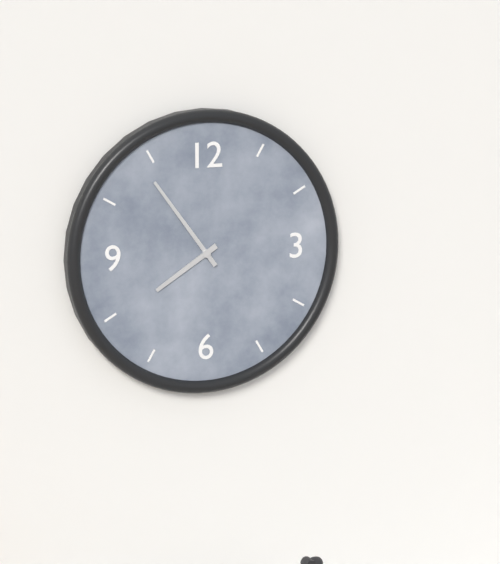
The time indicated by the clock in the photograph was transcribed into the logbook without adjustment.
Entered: 7:54
